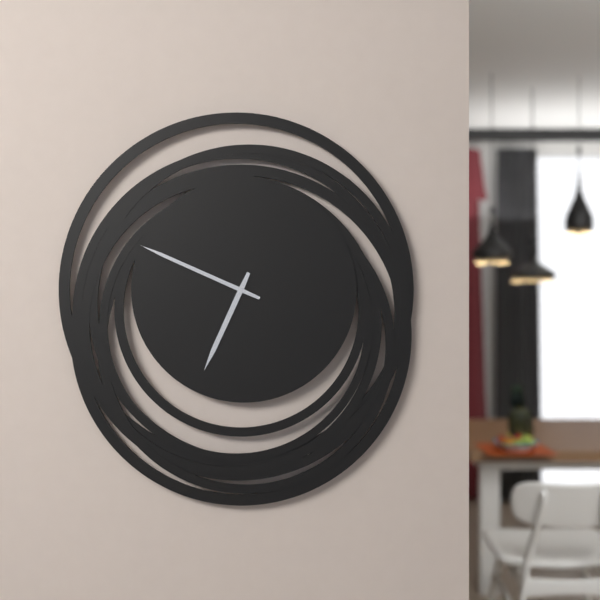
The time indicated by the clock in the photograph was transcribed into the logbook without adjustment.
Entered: 6:49
